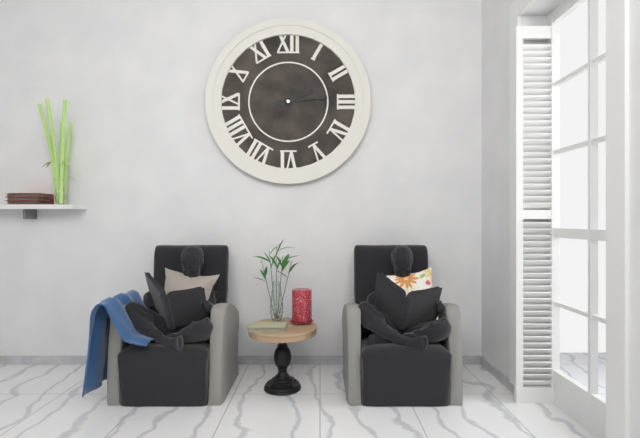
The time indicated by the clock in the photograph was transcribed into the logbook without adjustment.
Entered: 2:14
